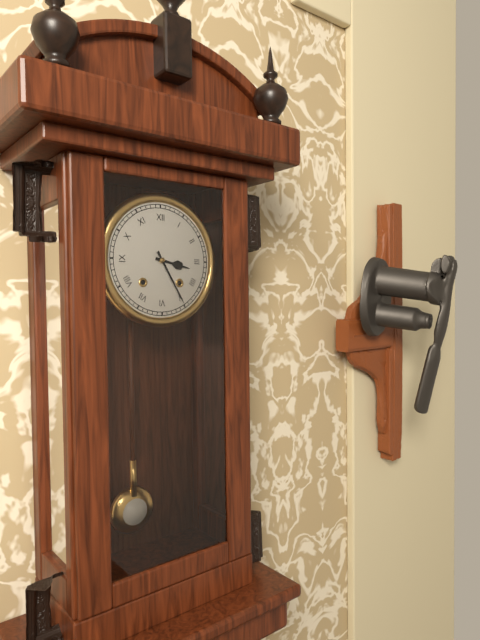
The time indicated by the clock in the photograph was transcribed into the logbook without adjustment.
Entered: 3:25
